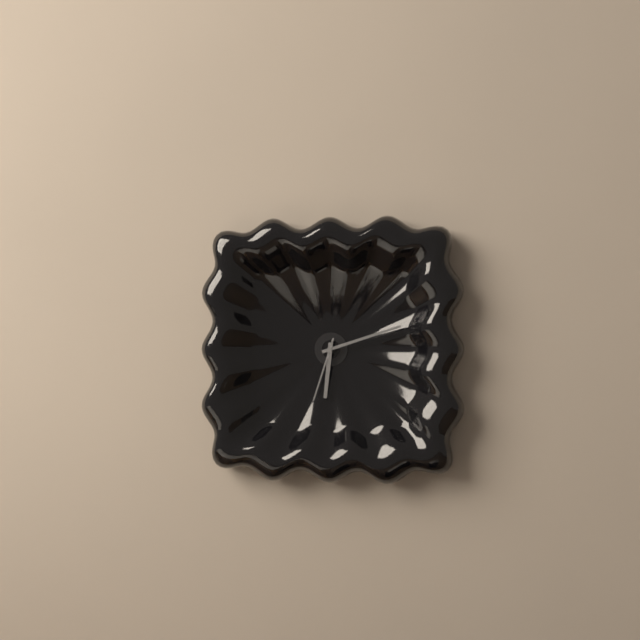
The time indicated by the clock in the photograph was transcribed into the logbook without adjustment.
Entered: 6:12:33
